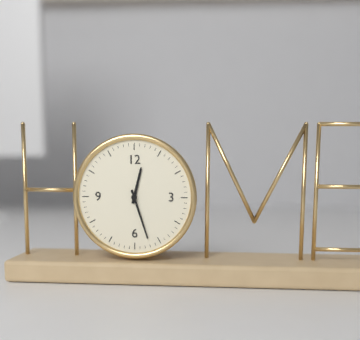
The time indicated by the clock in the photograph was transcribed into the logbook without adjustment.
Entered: 12:27
